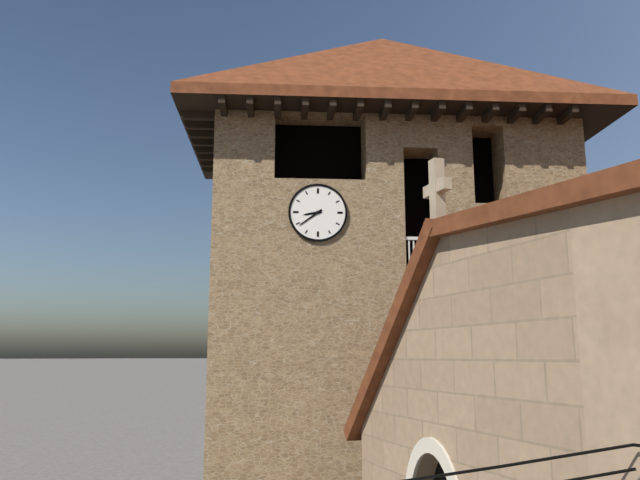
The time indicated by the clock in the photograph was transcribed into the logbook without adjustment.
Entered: 8:39
